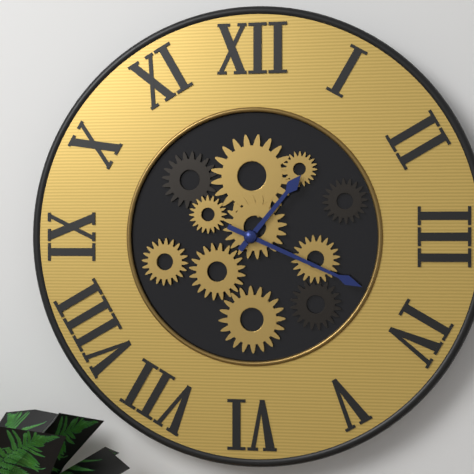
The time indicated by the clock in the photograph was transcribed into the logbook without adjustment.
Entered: 1:19
